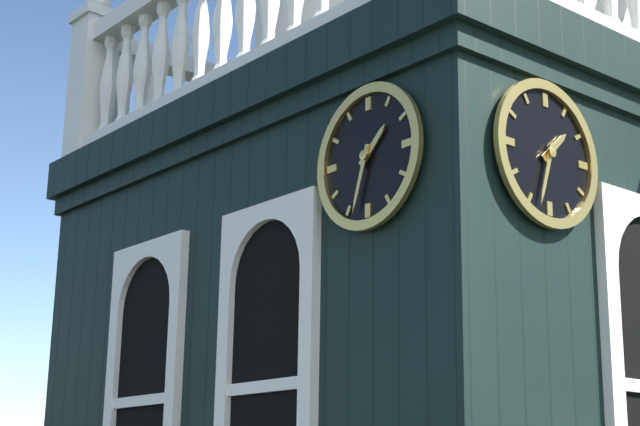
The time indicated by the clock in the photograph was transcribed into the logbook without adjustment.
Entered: 1:33
